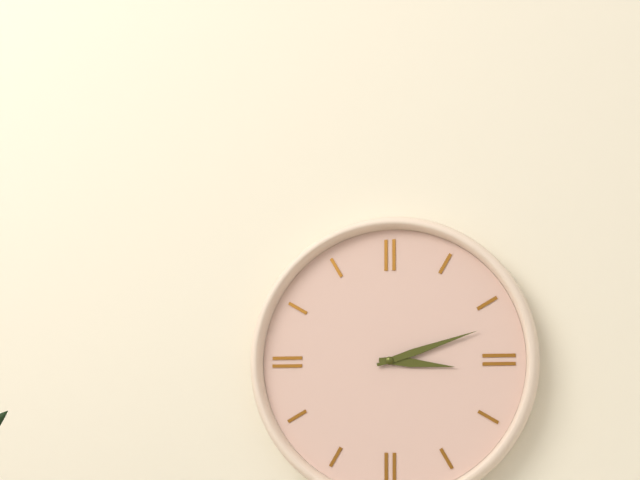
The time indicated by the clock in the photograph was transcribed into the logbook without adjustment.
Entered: 3:12
